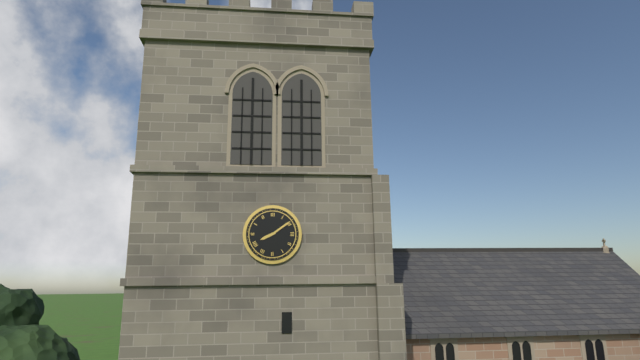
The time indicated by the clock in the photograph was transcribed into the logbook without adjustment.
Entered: 8:09
